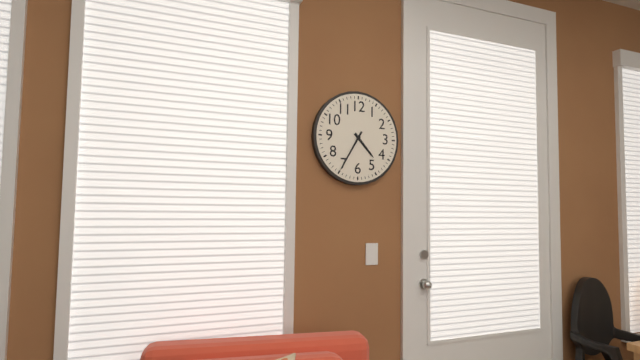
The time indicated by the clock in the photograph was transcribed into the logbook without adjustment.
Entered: 4:35
